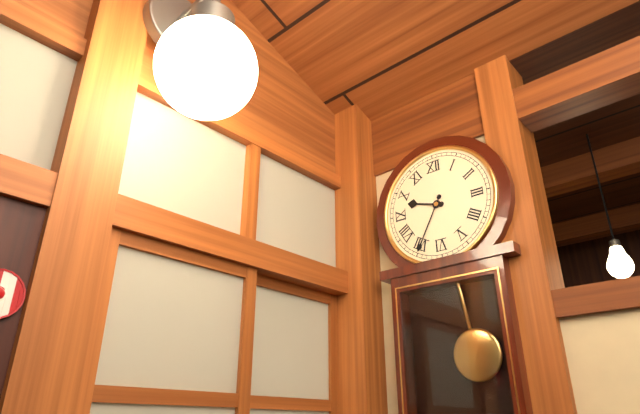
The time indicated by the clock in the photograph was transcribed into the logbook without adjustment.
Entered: 9:35
